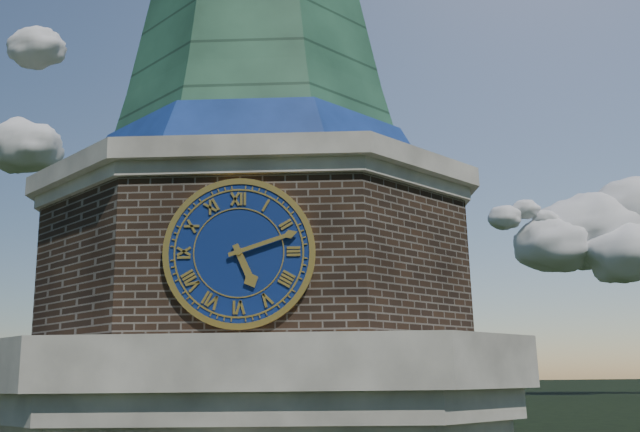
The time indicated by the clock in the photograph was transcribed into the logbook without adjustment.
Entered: 5:12
